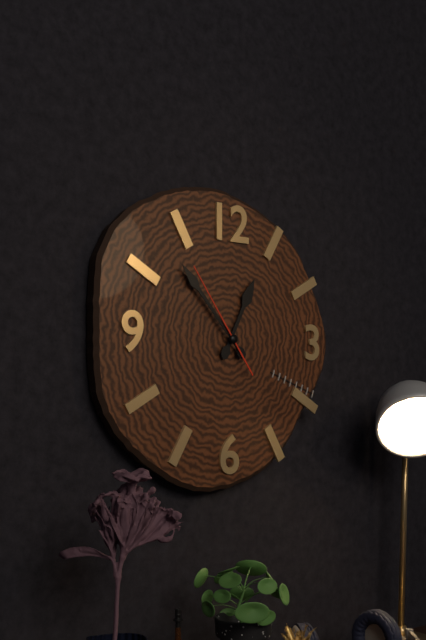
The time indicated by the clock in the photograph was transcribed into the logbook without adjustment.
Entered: 12:53:54
